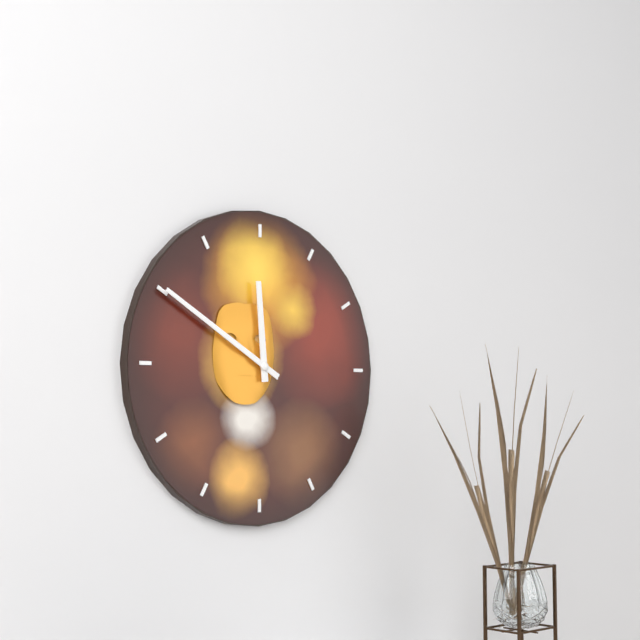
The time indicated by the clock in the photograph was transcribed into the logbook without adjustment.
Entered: 11:50
